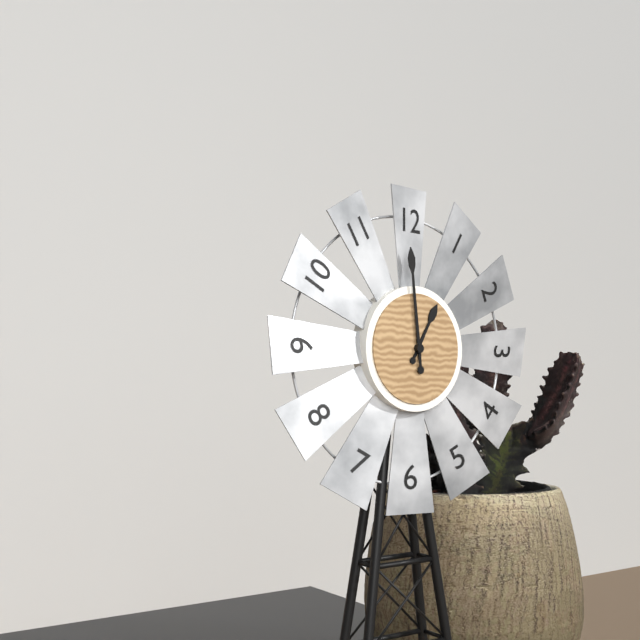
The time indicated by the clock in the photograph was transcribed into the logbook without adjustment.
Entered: 12:59
